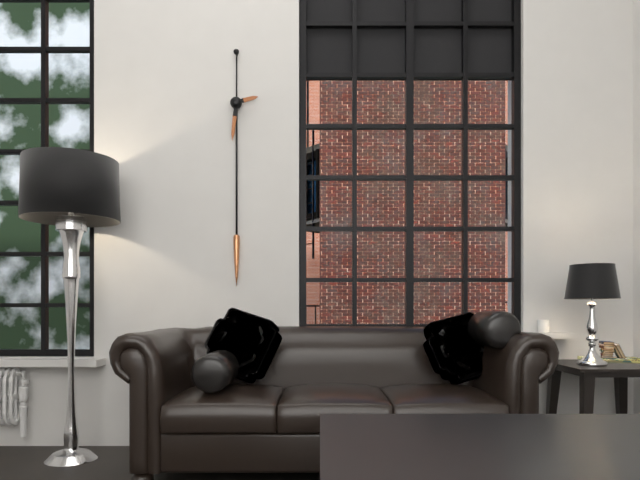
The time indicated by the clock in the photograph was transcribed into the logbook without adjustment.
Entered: 2:31
